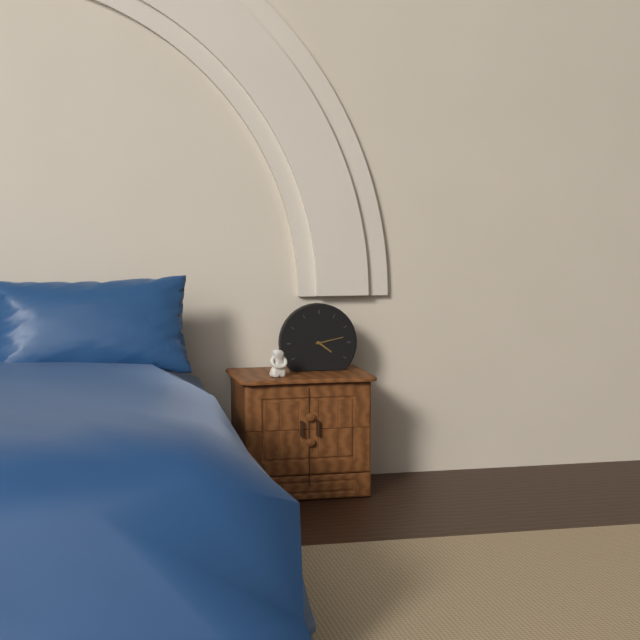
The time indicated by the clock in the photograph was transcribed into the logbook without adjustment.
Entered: 4:13
